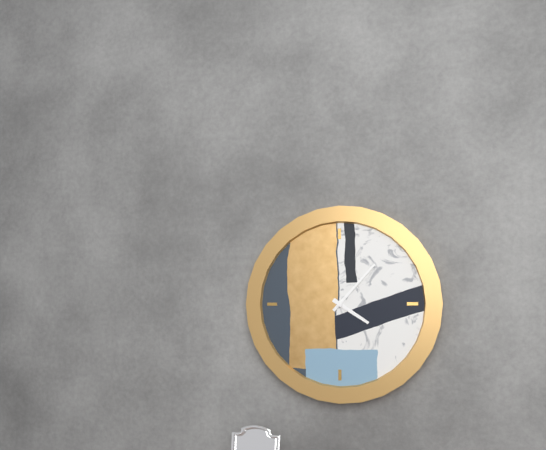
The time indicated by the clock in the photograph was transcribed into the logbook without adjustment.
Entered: 4:07
